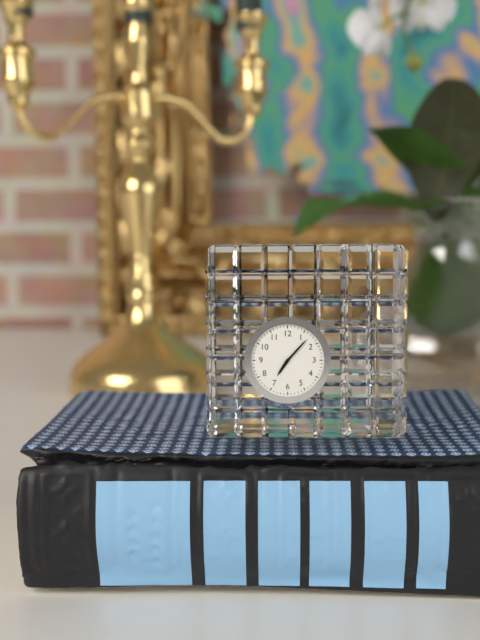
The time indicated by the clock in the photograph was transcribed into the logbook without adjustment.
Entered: 7:07
